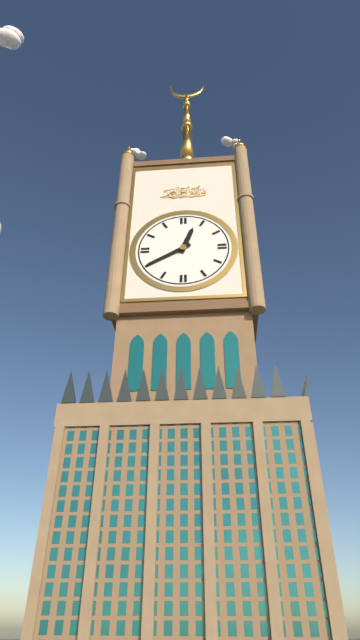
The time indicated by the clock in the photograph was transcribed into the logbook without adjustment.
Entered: 12:40
